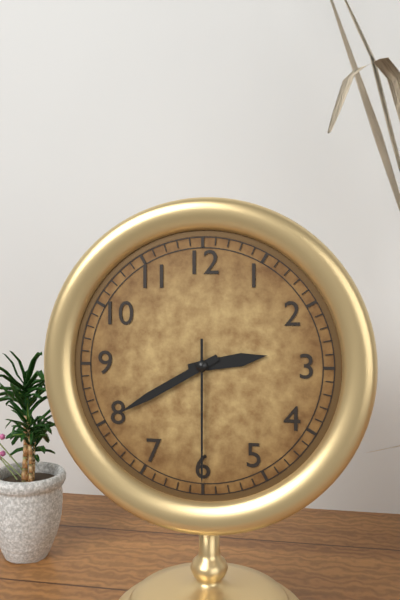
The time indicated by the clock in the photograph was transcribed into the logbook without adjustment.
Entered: 2:40:30
